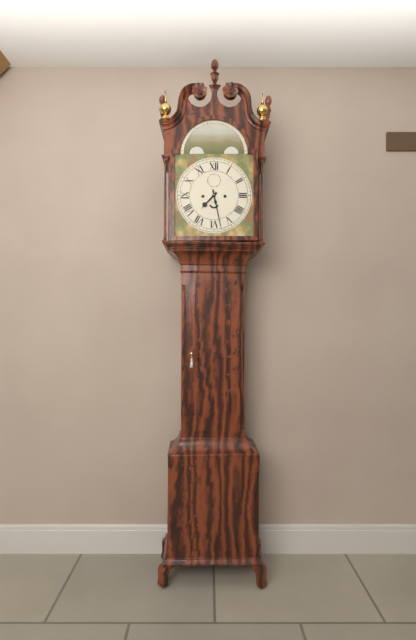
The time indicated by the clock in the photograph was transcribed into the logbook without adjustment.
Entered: 7:28
